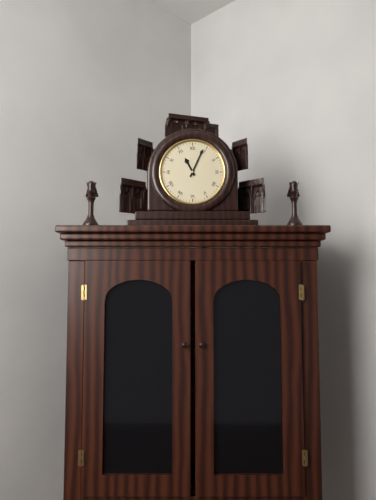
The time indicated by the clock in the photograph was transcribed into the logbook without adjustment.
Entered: 11:04
